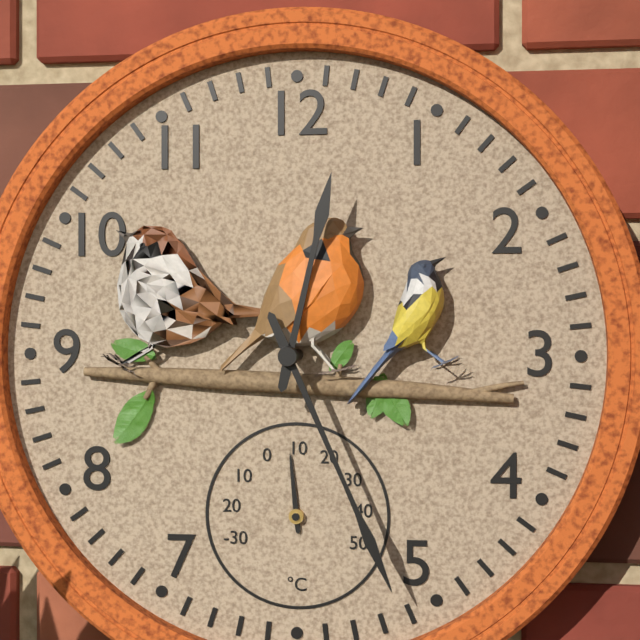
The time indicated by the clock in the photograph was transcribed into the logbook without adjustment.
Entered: 12:26
